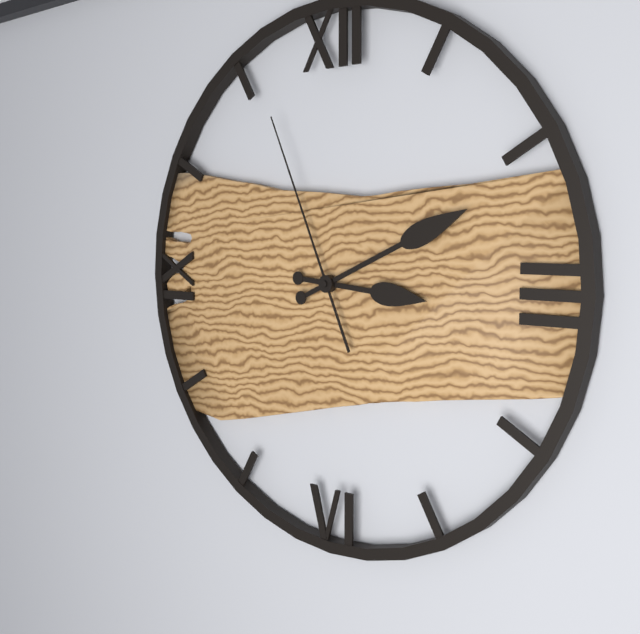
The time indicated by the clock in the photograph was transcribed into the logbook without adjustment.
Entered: 3:11:56
